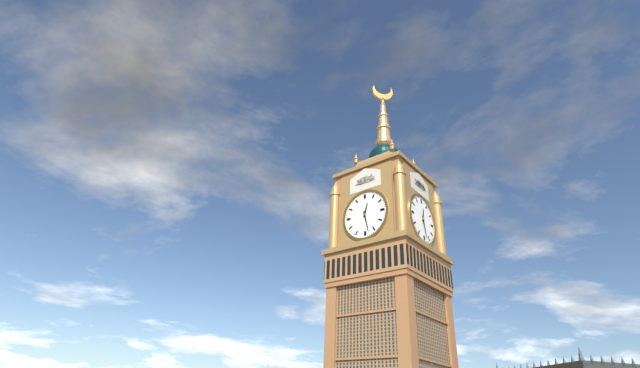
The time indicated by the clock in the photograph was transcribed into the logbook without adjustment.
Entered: 12:28
